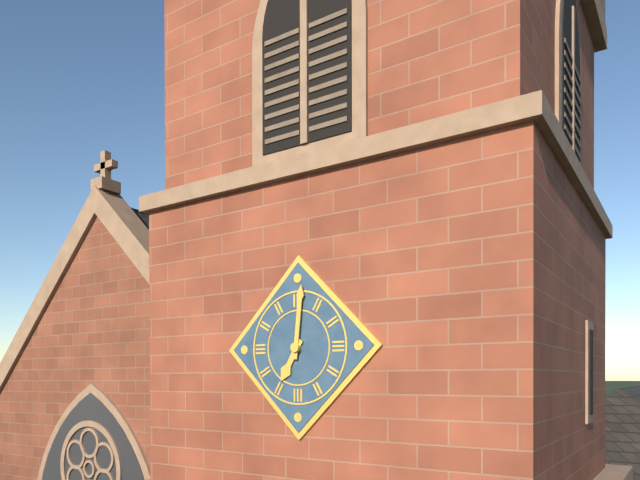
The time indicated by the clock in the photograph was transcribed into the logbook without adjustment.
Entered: 7:01
